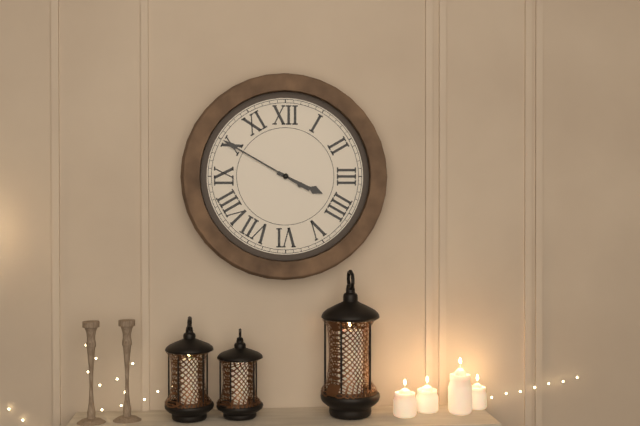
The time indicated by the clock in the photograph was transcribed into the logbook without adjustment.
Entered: 3:50
